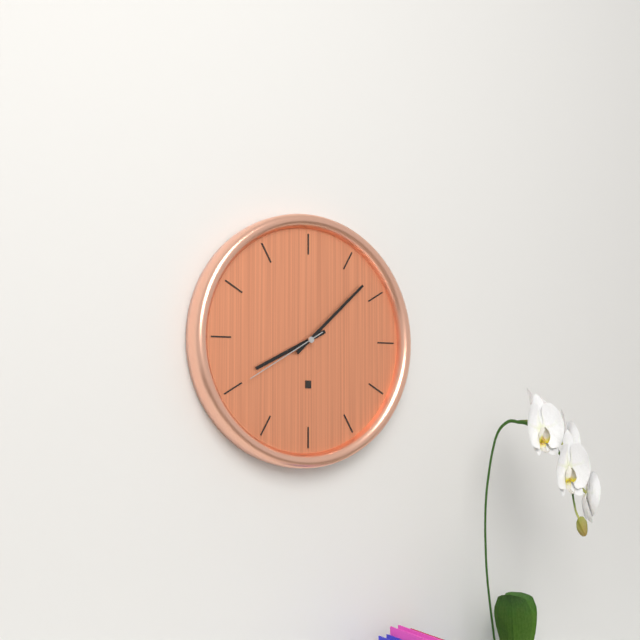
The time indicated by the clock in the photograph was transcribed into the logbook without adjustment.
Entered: 8:08:40
